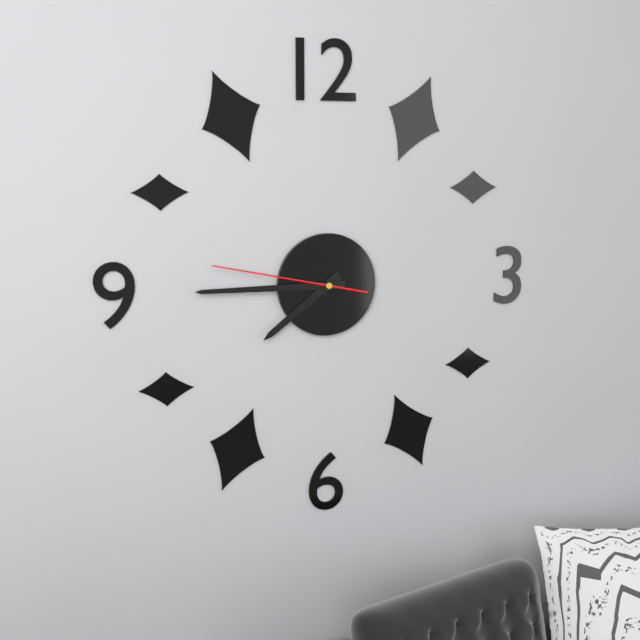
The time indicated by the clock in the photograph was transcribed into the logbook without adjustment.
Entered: 7:45:47
